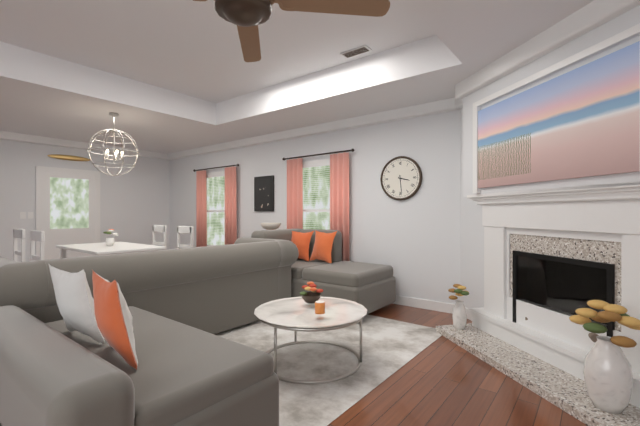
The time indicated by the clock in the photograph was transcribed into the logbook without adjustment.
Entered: 3:29
